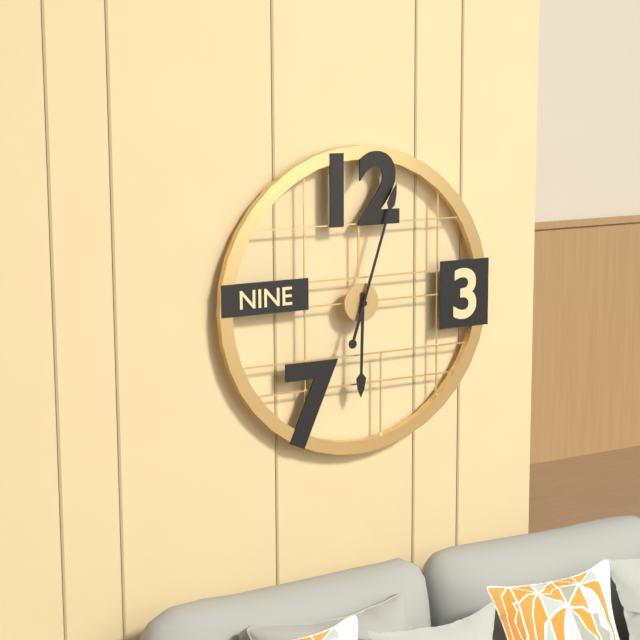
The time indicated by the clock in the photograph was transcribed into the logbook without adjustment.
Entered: 6:03
